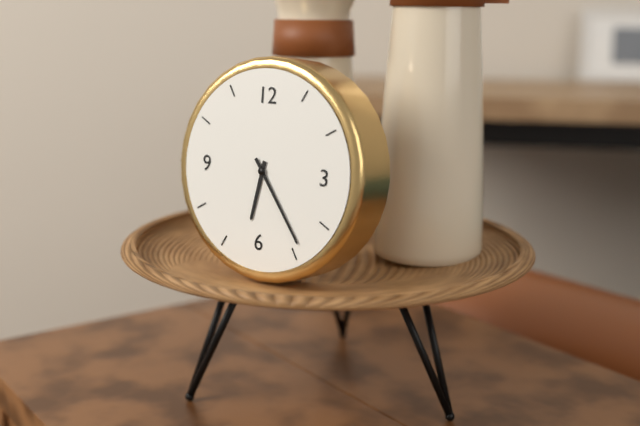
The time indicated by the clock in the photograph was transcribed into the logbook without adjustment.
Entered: 6:24
